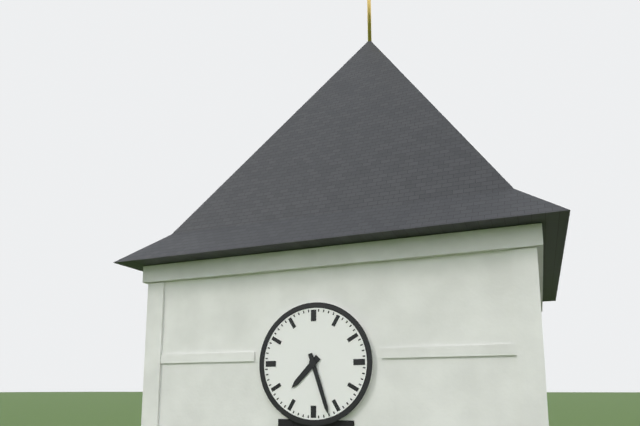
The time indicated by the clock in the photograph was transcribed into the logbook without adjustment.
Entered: 7:27
